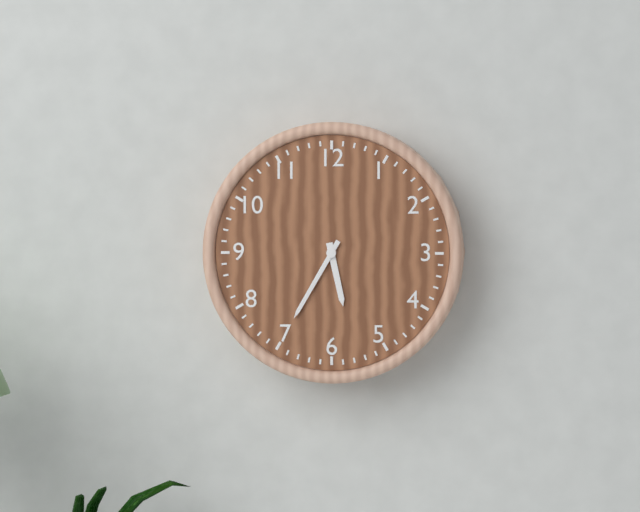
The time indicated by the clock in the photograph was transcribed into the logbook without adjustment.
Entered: 5:35
